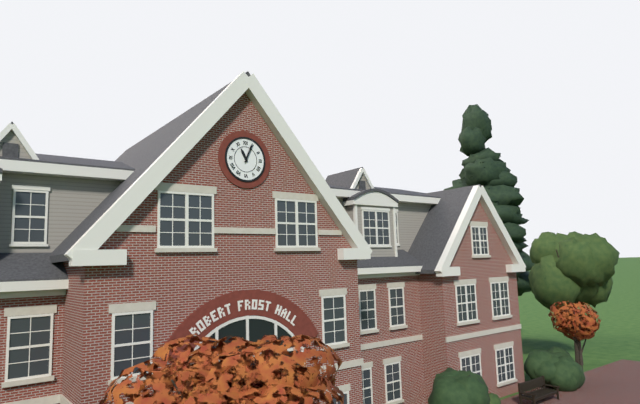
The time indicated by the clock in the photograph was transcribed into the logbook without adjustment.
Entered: 11:04
